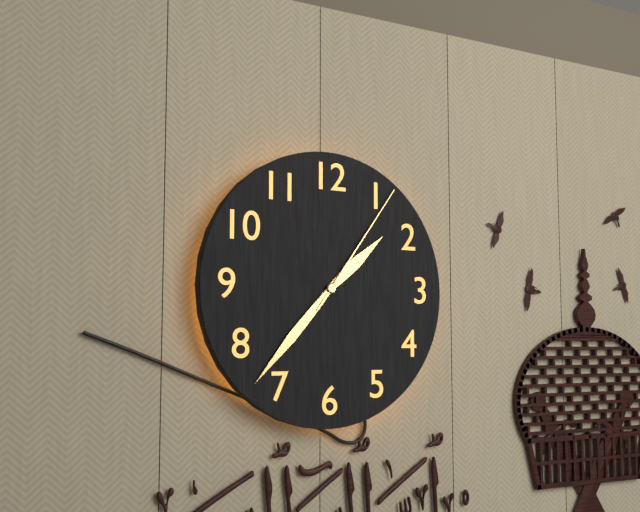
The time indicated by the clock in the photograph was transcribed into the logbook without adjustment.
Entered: 1:37:06
